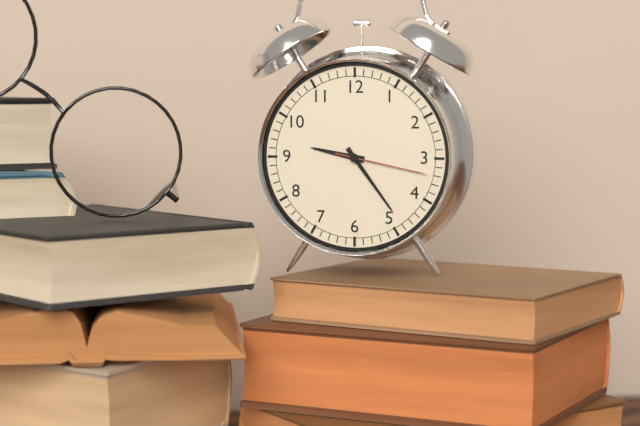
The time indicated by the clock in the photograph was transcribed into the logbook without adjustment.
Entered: 9:24:17
